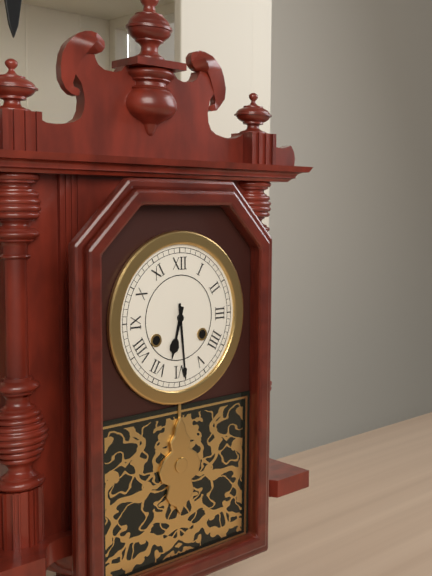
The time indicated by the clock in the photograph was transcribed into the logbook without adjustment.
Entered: 6:29
